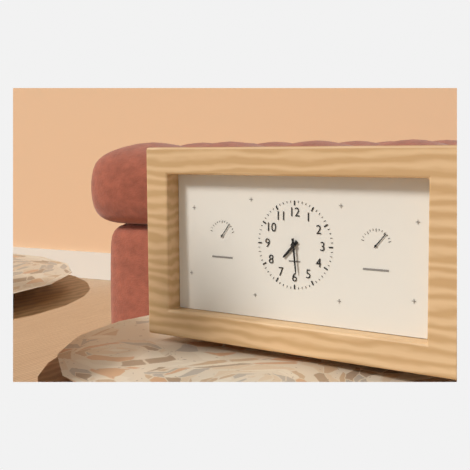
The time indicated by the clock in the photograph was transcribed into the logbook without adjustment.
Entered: 7:29
